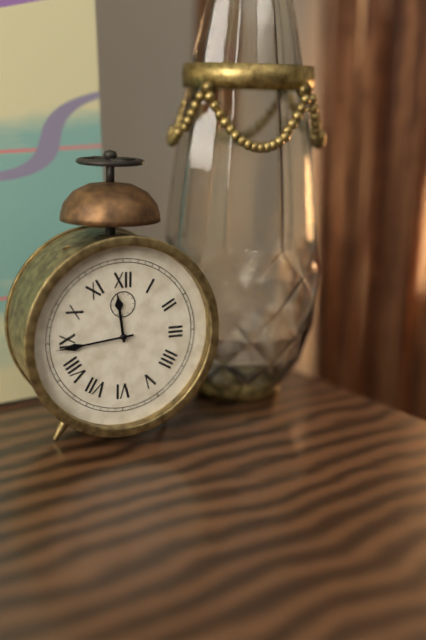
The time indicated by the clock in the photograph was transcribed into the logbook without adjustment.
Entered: 11:44
